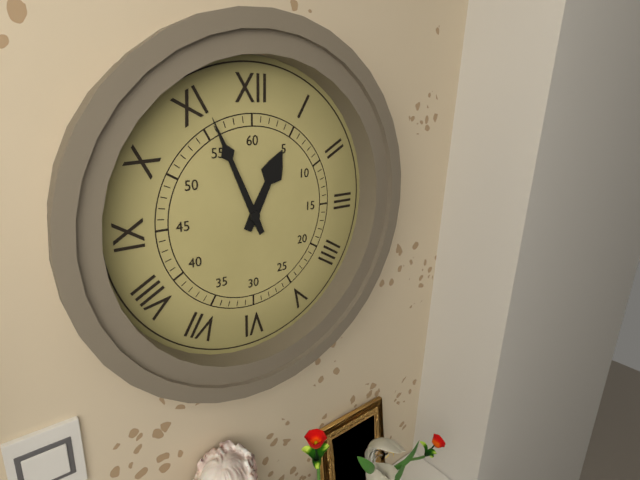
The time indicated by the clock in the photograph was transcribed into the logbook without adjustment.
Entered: 12:56
